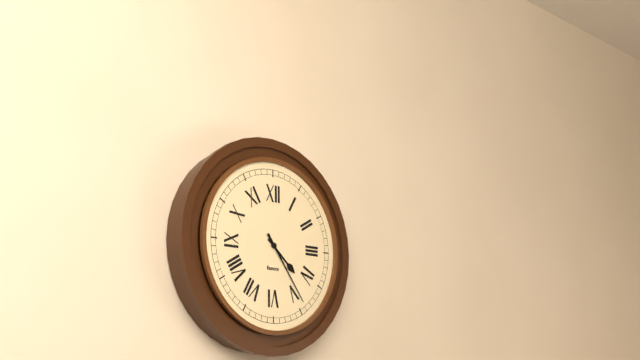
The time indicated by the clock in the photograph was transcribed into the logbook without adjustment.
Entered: 4:24
